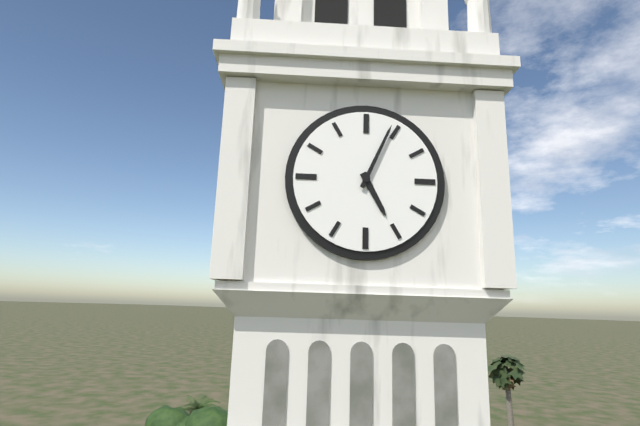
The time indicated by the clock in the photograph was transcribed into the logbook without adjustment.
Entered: 5:04
